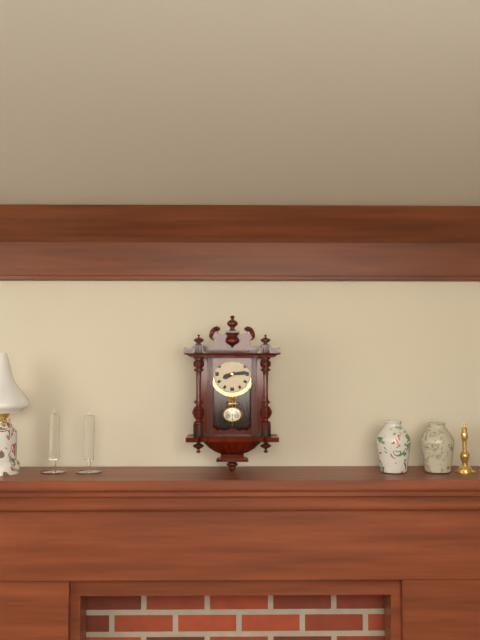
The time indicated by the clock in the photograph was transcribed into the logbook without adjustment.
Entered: 8:14
